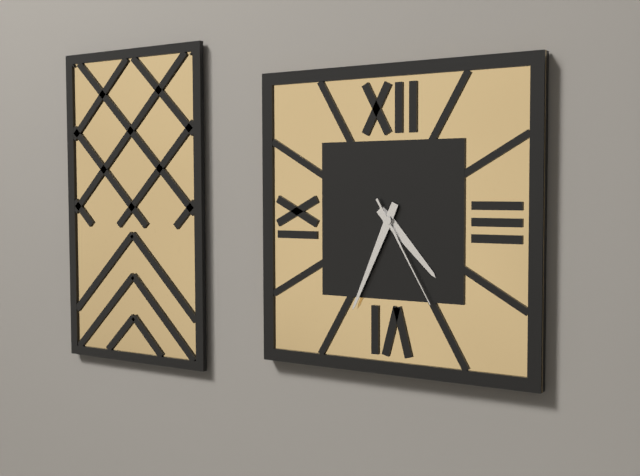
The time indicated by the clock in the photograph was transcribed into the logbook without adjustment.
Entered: 4:34:25
